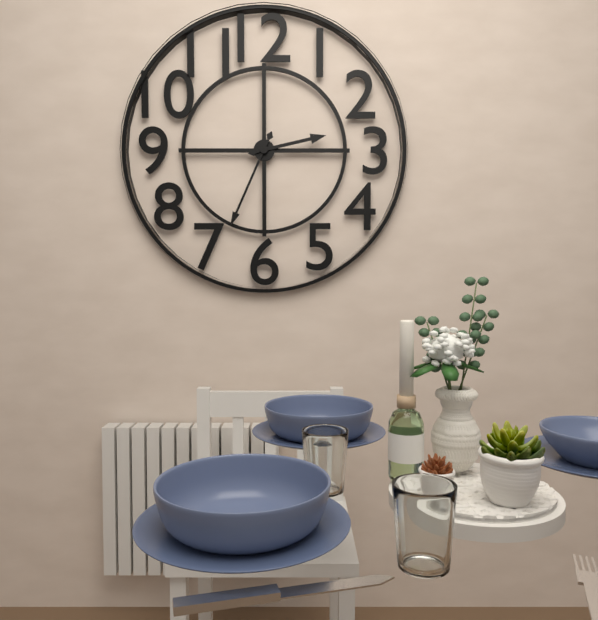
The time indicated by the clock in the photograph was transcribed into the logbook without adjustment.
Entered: 2:34
